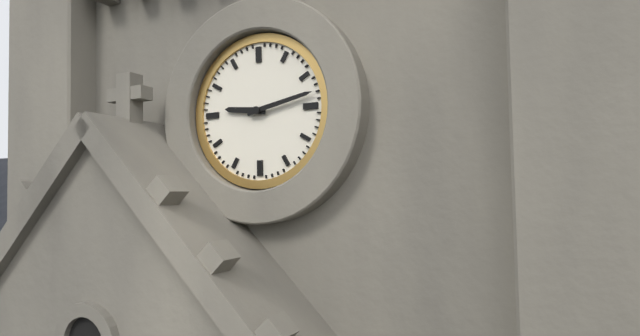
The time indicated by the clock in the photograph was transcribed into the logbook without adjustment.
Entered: 9:13
